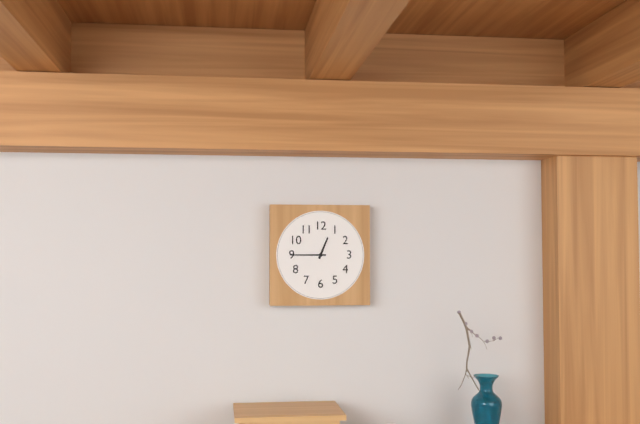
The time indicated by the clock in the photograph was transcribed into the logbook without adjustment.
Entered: 12:45
